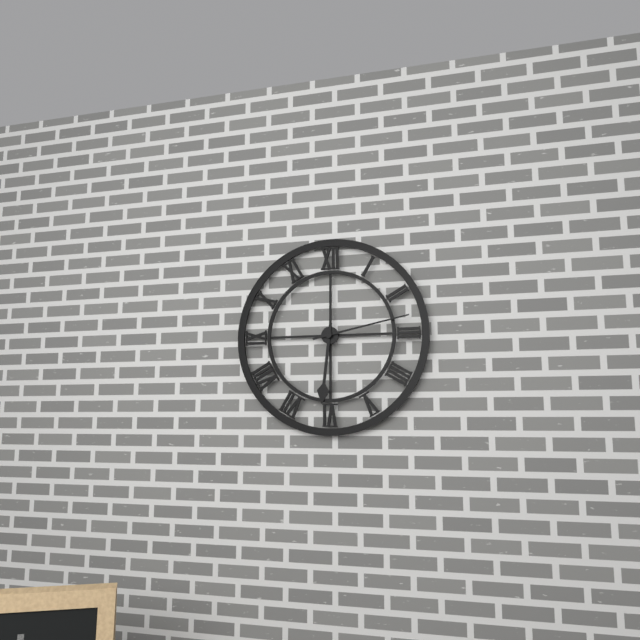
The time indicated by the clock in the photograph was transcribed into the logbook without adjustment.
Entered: 6:13
